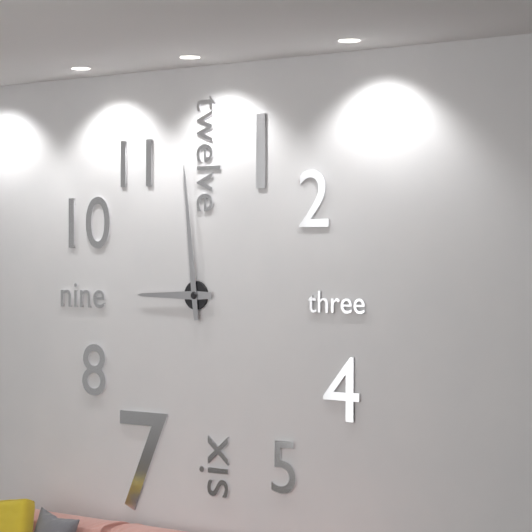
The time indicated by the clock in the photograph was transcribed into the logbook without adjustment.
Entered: 8:59
